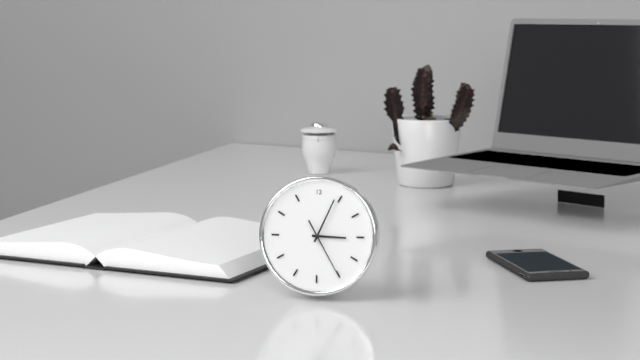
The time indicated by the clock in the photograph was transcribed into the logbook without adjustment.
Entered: 3:04:25
